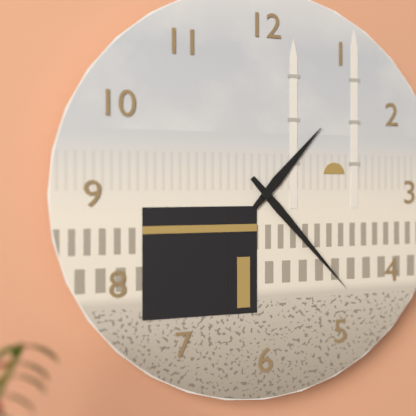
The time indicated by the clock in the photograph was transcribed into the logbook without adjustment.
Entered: 1:23
